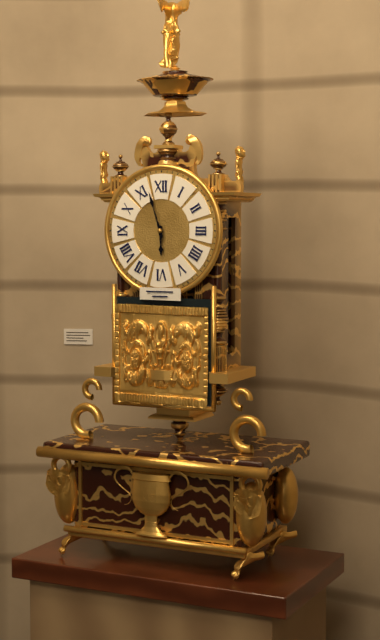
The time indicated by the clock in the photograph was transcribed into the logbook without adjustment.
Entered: 5:57
